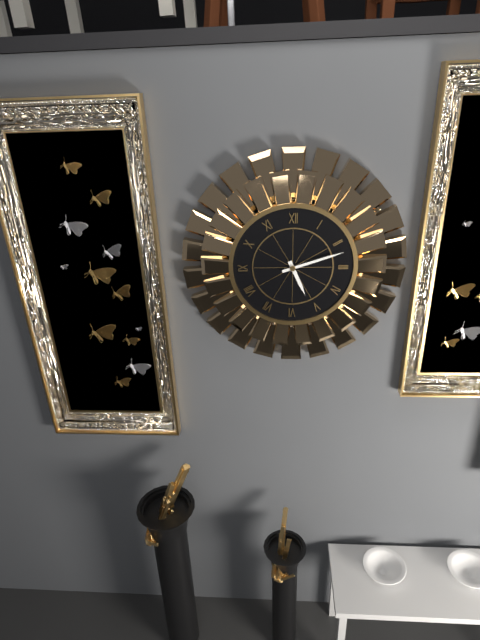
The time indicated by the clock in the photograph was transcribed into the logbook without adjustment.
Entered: 5:12
